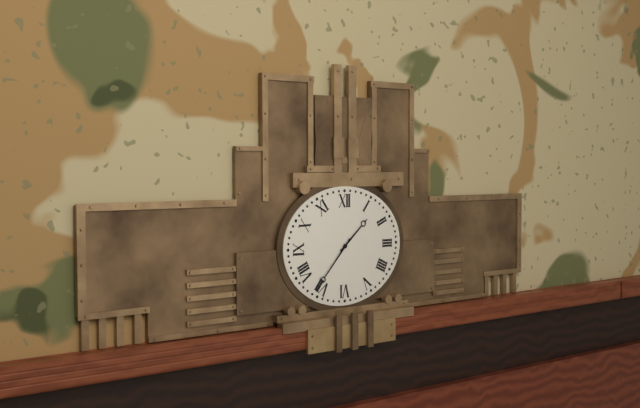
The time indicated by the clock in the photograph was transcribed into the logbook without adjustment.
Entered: 1:37
